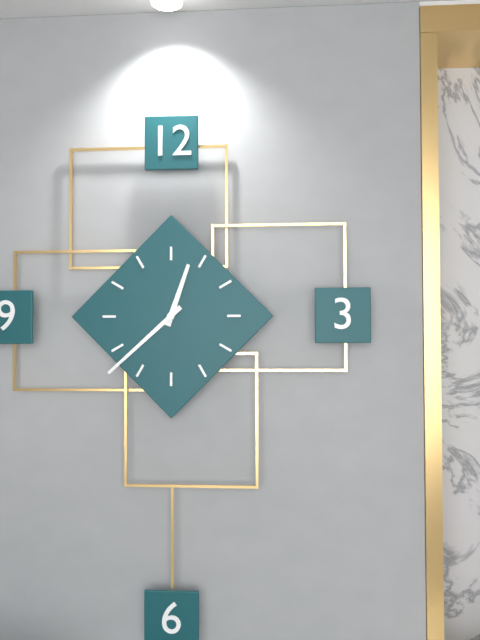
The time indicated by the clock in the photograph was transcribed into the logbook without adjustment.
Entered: 12:38
